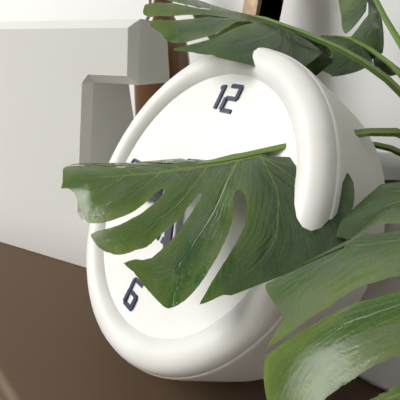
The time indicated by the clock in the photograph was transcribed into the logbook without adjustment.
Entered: 8:25
